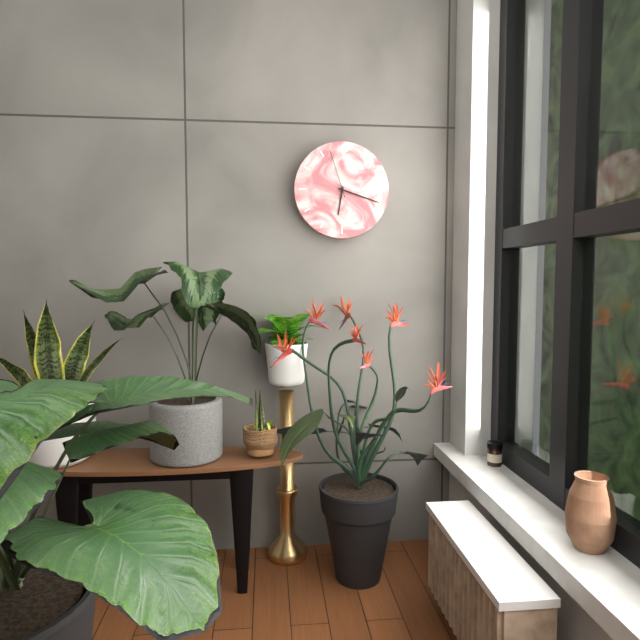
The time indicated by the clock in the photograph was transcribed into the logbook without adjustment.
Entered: 6:18:57
